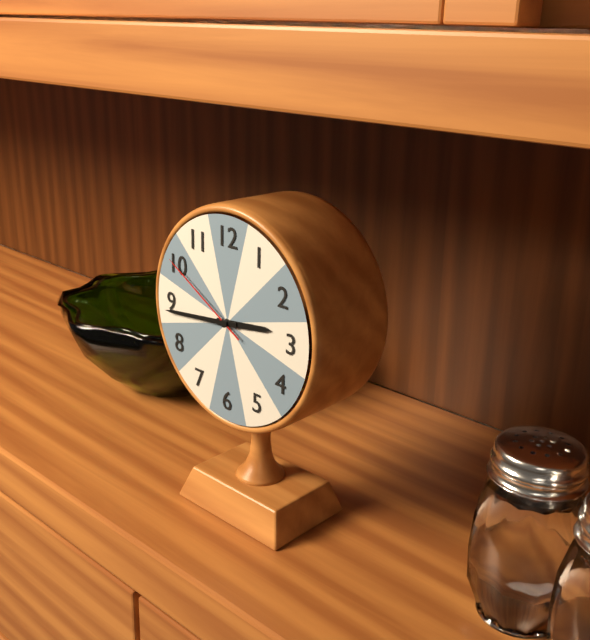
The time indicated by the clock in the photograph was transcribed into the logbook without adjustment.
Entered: 2:44:50
